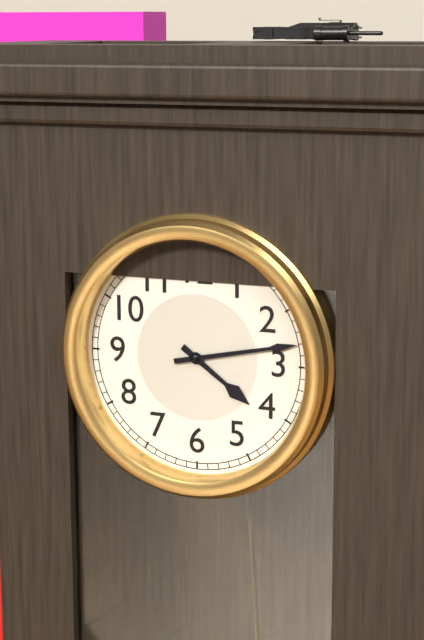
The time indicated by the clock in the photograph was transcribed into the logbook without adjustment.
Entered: 4:13
